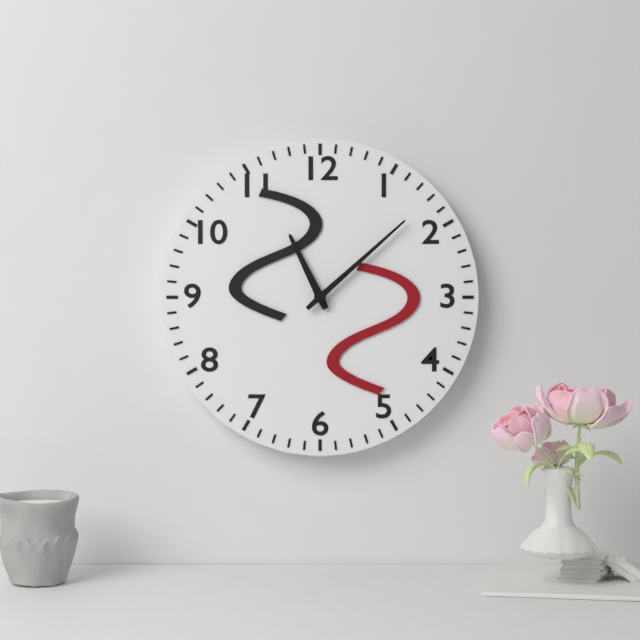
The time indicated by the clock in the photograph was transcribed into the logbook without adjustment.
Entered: 11:08
